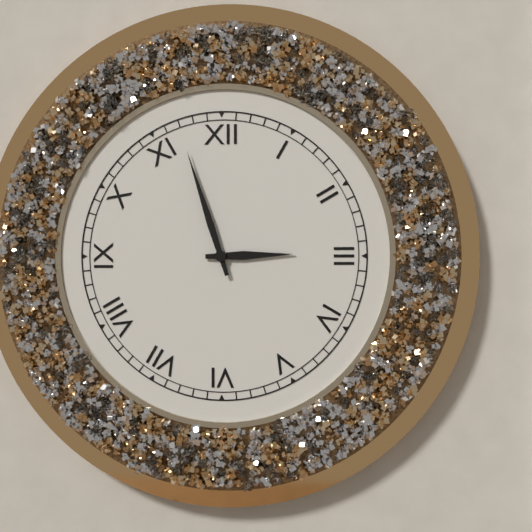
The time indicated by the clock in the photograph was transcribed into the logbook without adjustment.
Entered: 2:57
